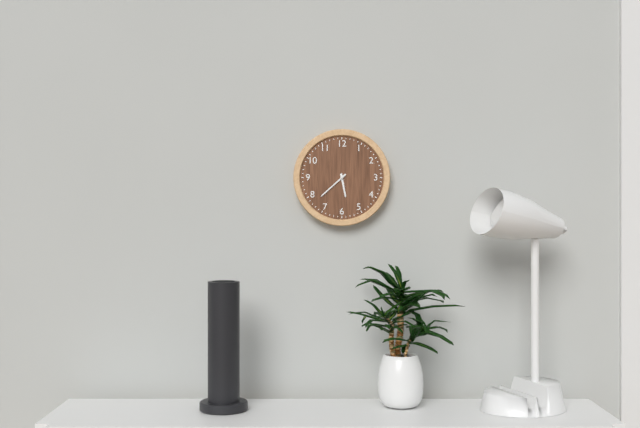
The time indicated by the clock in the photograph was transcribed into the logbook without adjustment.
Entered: 5:38
